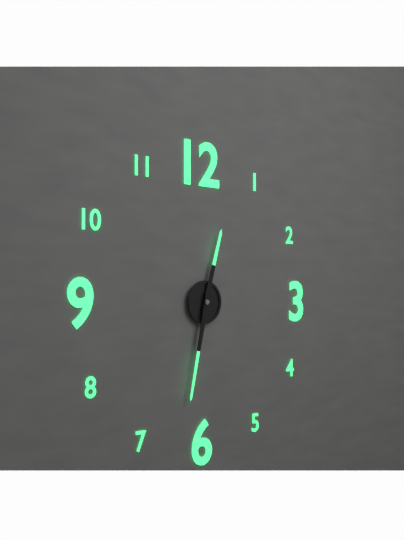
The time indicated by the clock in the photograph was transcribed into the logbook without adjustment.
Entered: 12:32
